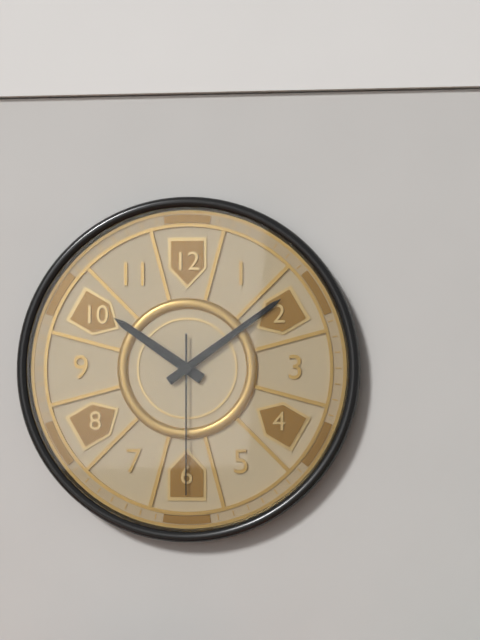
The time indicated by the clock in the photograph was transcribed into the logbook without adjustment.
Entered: 10:09:30
